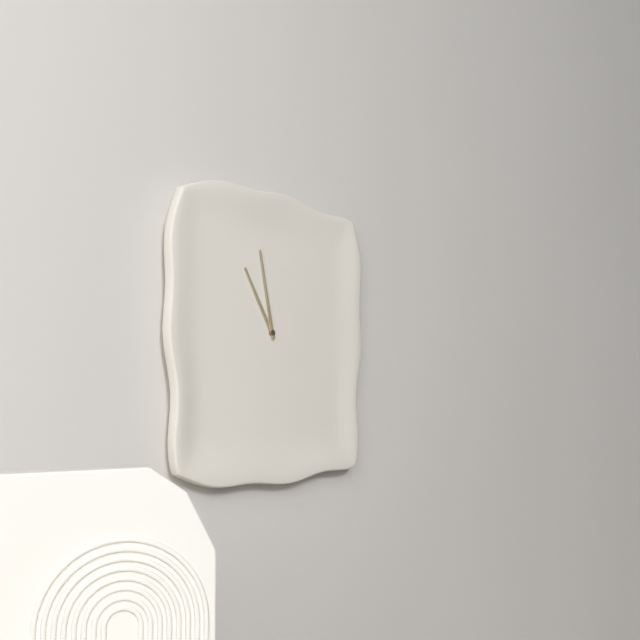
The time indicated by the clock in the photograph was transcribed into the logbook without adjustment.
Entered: 10:58
